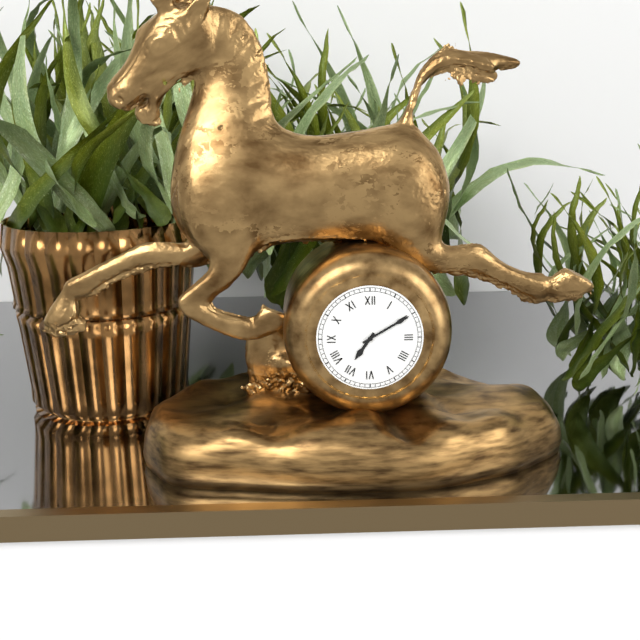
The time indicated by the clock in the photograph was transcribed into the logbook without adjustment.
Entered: 7:10
